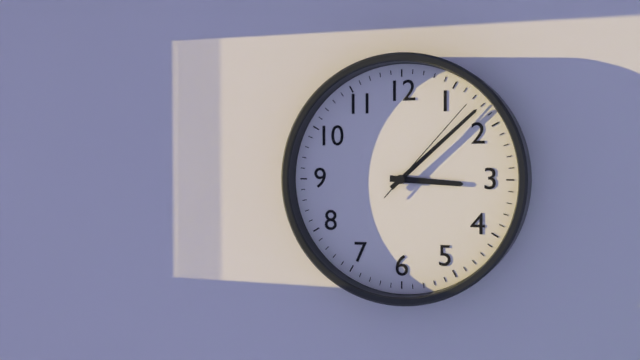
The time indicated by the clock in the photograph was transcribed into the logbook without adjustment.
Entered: 3:08:07
